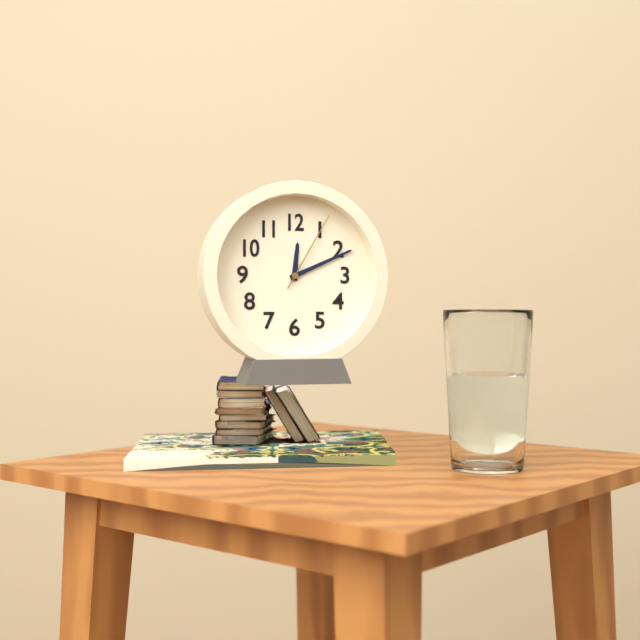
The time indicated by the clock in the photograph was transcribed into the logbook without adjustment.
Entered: 12:11:05
